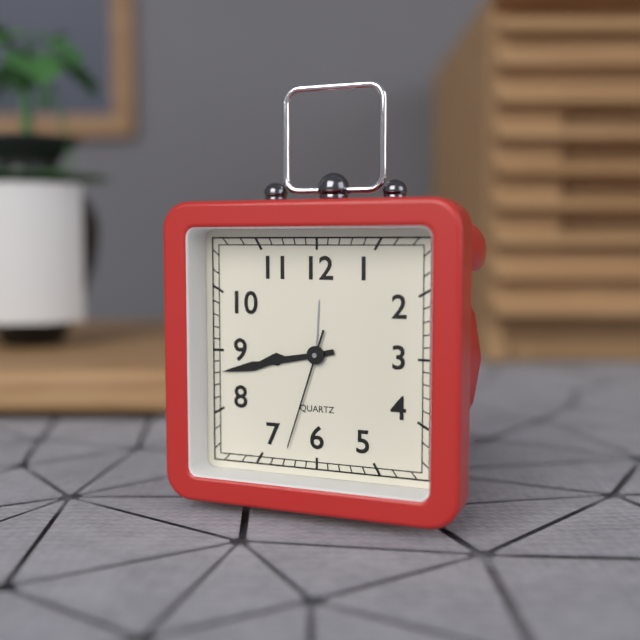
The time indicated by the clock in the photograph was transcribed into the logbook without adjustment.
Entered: 8:43:33
